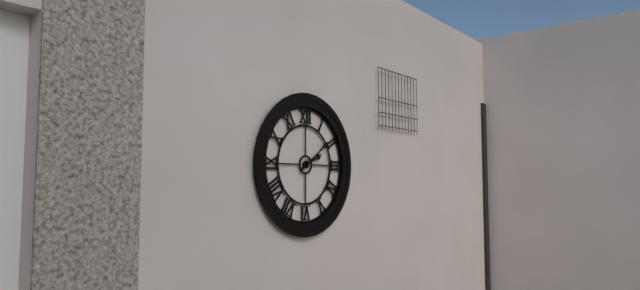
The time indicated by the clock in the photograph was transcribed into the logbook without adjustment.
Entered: 2:09
